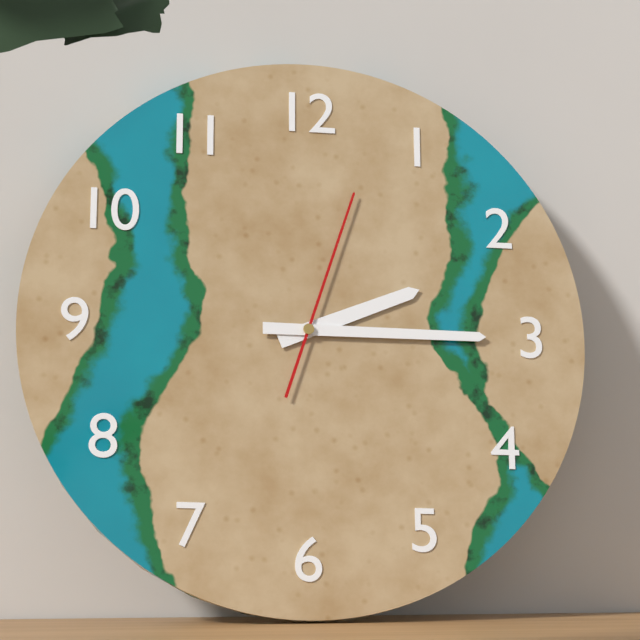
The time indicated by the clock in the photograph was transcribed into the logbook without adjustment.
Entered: 2:15:03
